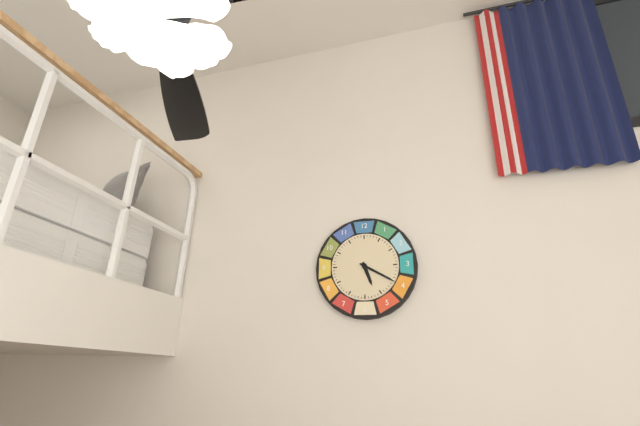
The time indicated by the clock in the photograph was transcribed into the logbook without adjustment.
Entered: 5:20
